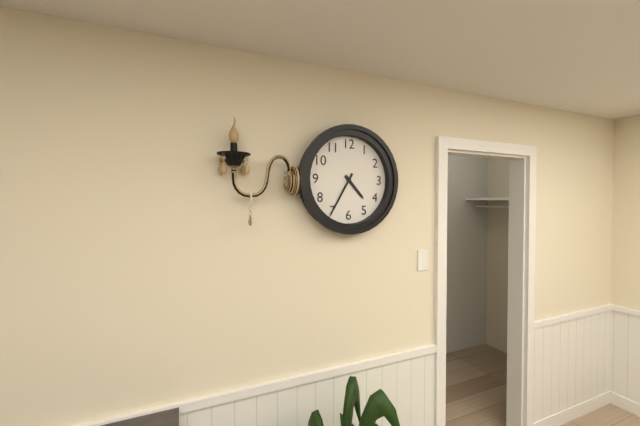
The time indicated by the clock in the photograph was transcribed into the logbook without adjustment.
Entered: 4:35
